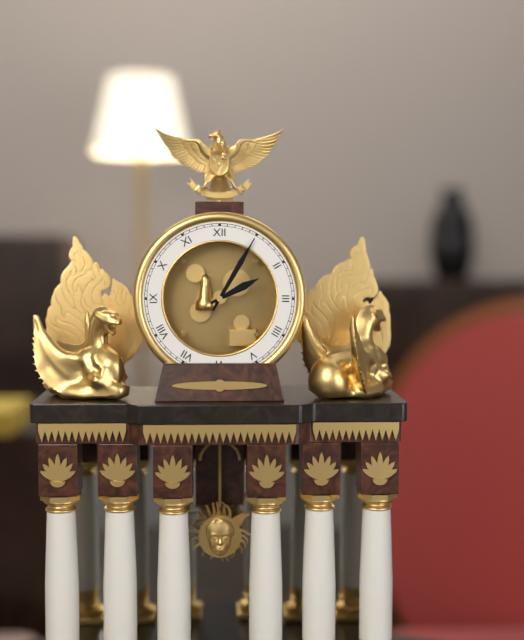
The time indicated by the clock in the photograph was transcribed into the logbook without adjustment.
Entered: 2:05
